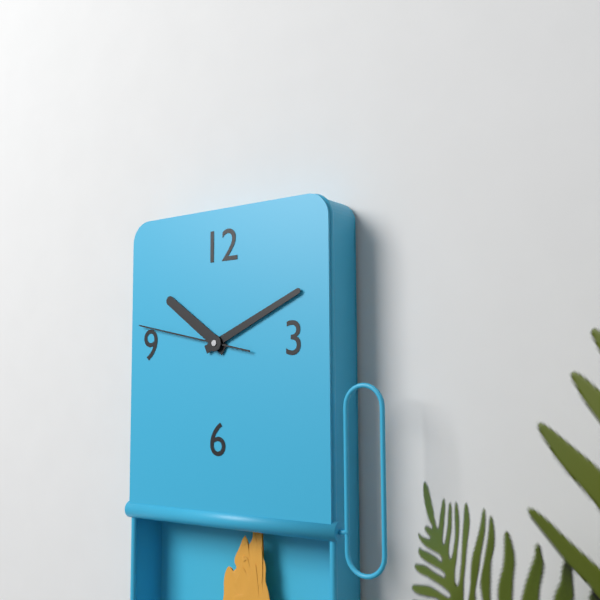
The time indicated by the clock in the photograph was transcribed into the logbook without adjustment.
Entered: 10:11:47
